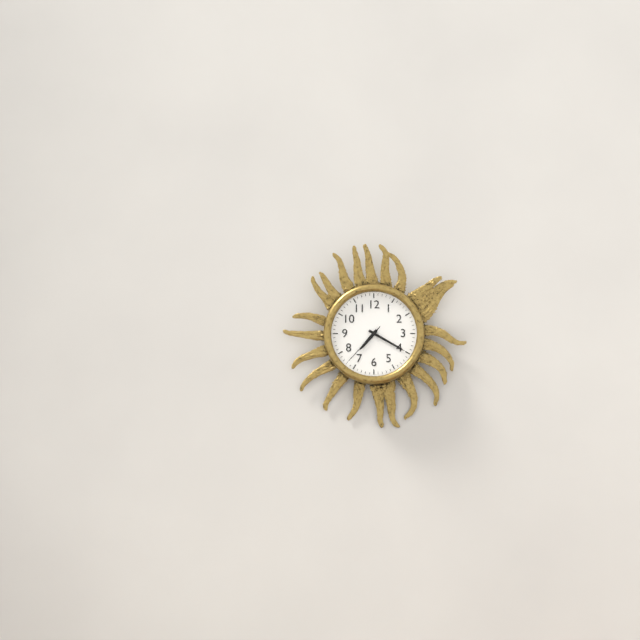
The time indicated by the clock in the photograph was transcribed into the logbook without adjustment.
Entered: 7:20
